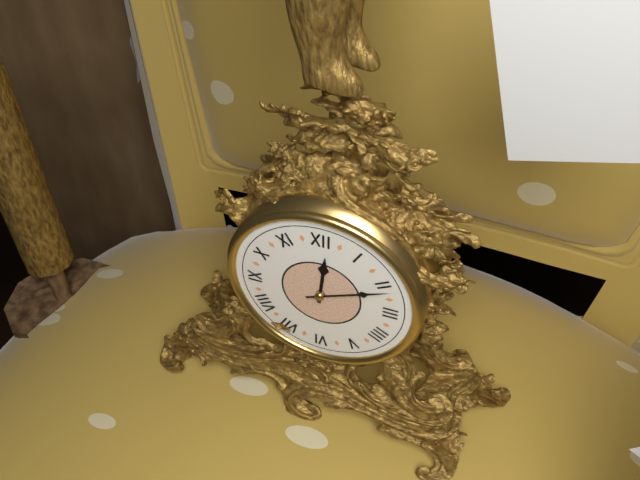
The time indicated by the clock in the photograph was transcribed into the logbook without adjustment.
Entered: 12:11
